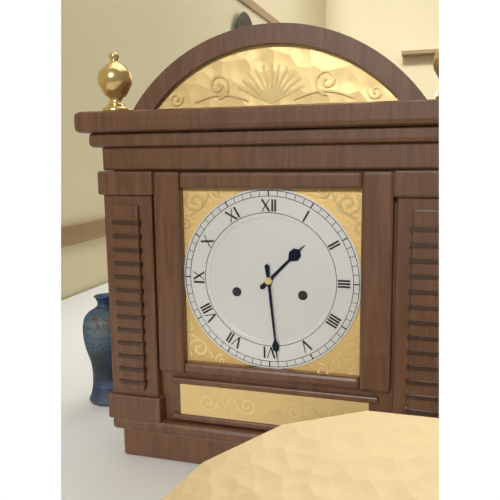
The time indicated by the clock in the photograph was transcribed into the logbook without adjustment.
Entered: 1:29
